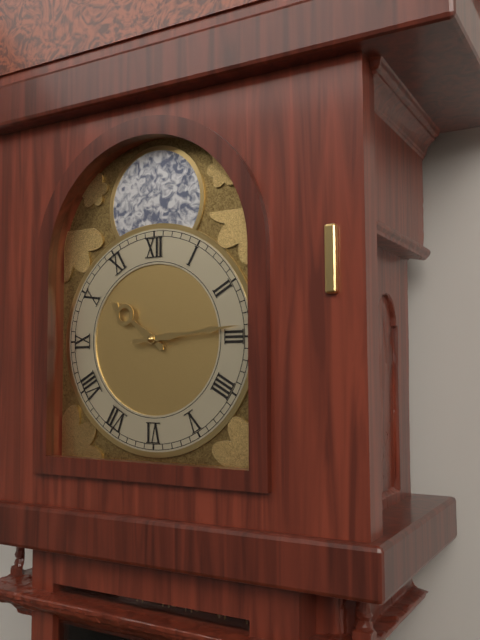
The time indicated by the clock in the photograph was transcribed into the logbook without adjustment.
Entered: 10:14
